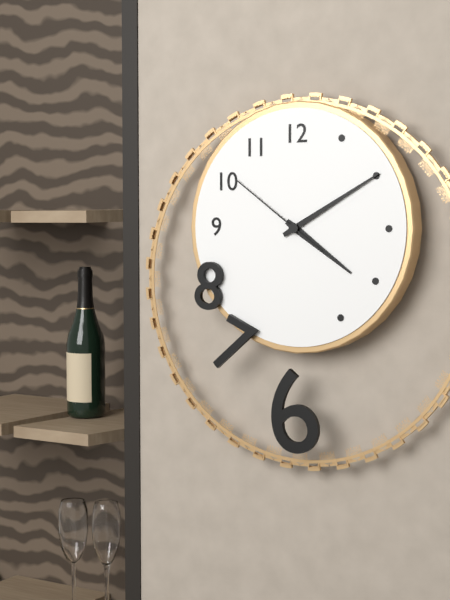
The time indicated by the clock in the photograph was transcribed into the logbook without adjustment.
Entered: 4:10:51
